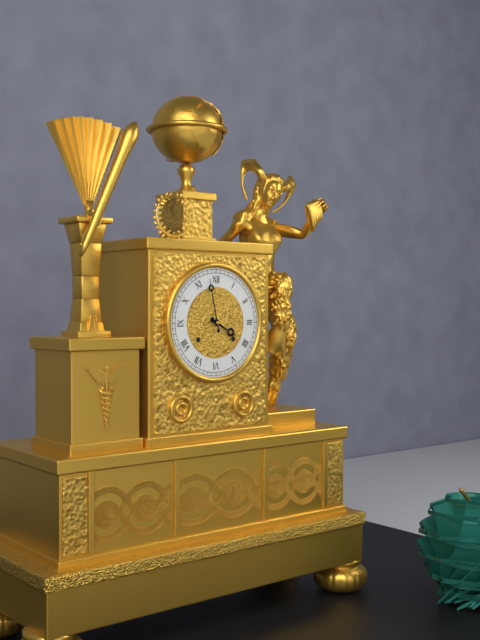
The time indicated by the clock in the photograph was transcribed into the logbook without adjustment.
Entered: 3:58
